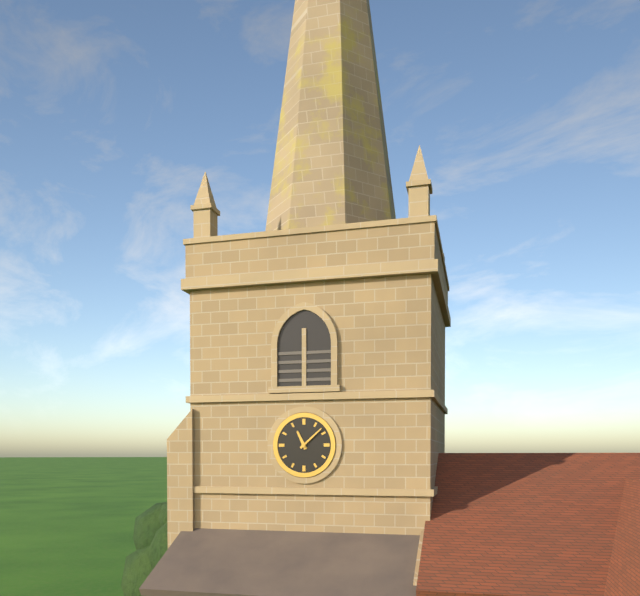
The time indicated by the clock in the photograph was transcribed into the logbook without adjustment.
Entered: 11:08
